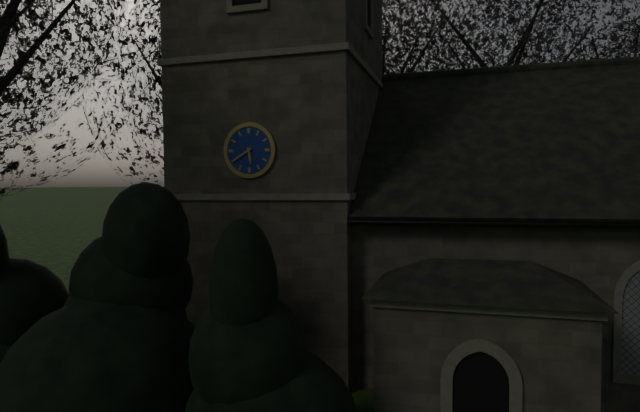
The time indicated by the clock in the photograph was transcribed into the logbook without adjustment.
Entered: 5:40
